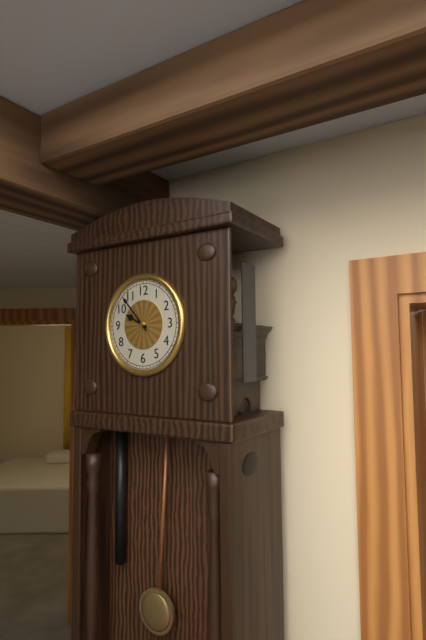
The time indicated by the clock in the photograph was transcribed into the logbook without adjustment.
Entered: 9:53
